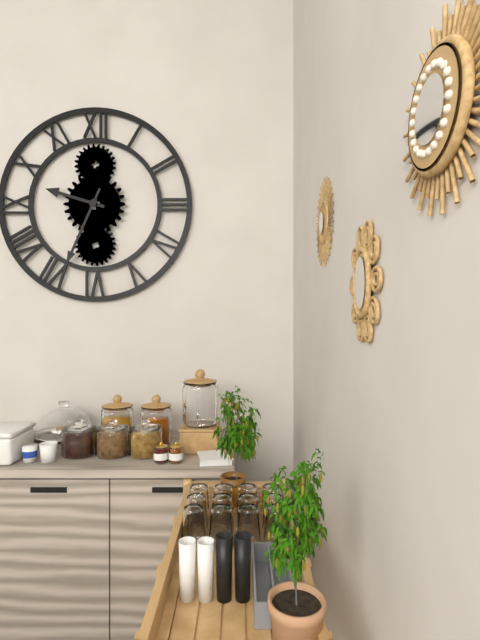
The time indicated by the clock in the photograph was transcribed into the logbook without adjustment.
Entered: 9:34
